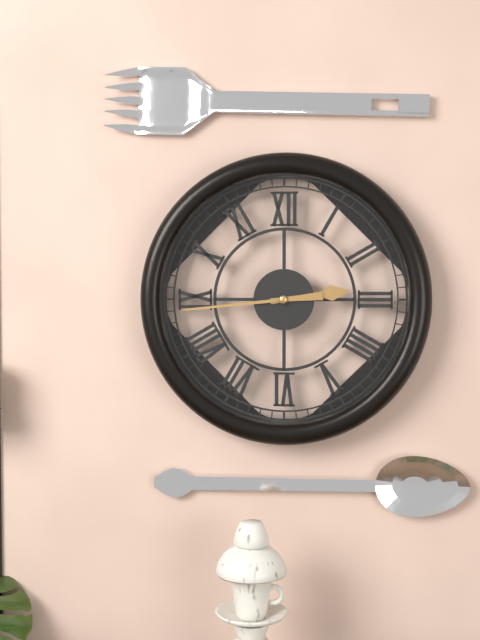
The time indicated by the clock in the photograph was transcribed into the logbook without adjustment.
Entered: 2:44
